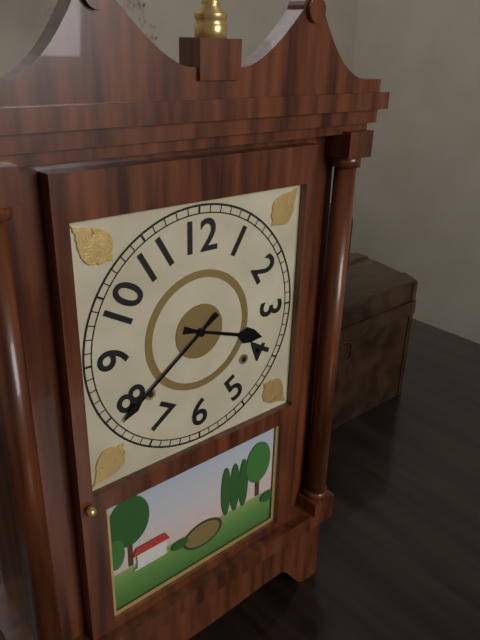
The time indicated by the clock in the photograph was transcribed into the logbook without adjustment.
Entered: 3:39
